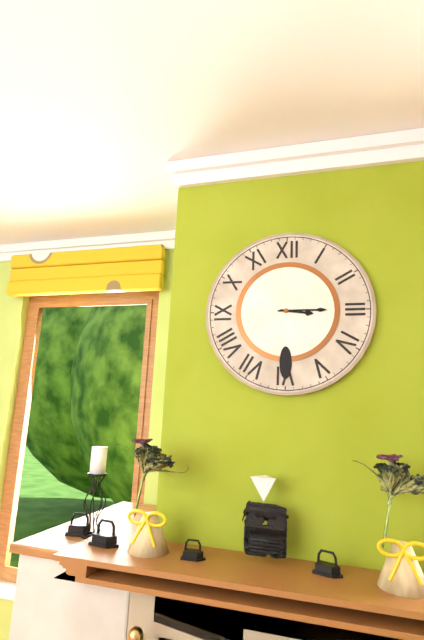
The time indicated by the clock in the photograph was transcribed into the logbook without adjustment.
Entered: 3:15
